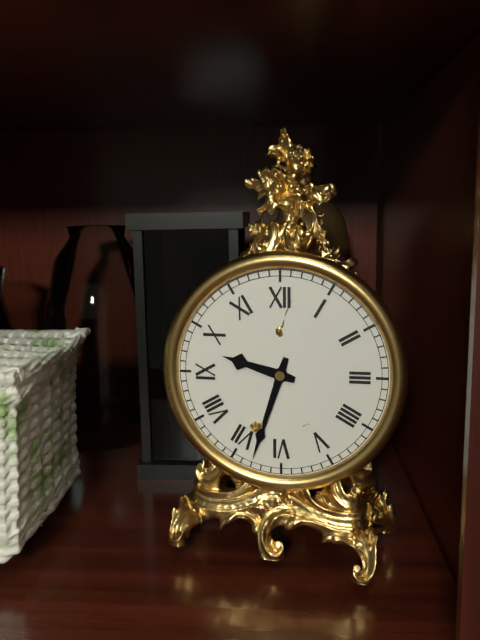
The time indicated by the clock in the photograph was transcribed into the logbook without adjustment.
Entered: 9:33
